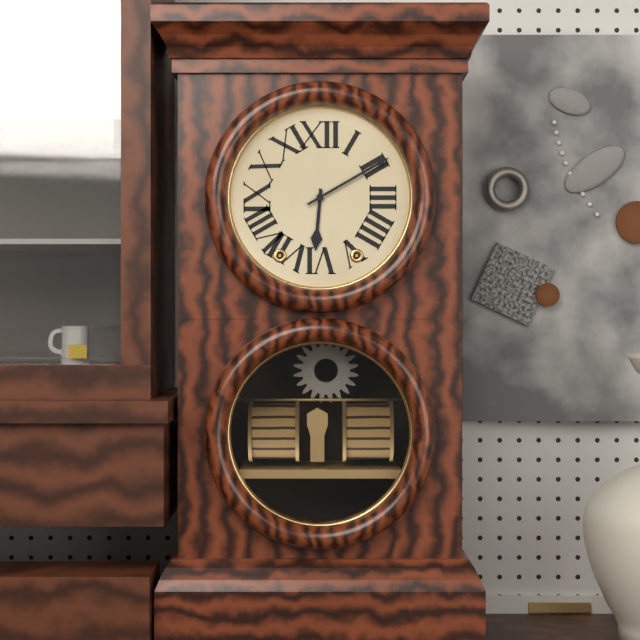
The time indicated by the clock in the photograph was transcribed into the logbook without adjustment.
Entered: 6:10
